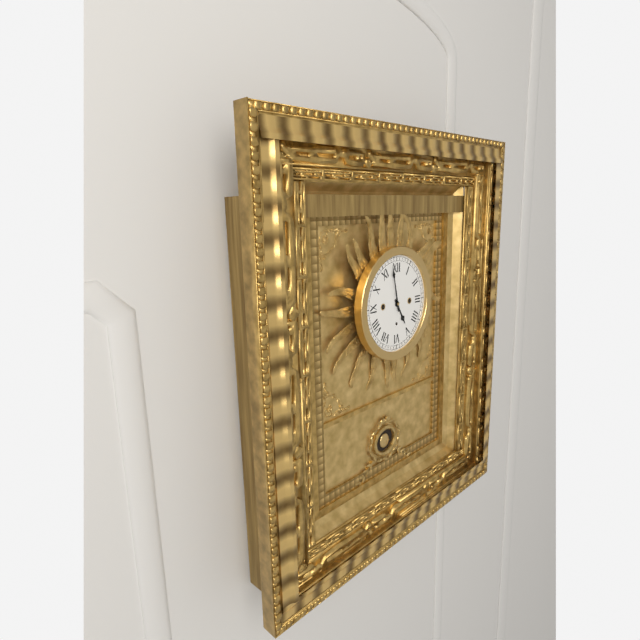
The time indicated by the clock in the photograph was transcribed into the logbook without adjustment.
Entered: 4:58
